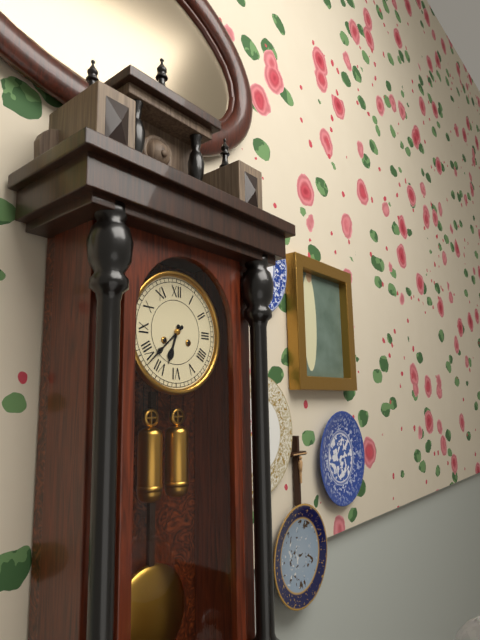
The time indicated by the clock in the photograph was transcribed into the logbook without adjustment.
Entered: 6:38
